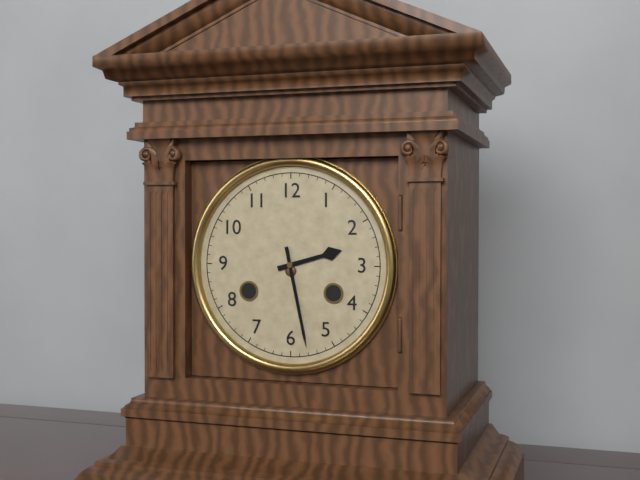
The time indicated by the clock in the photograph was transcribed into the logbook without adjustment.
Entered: 2:28
